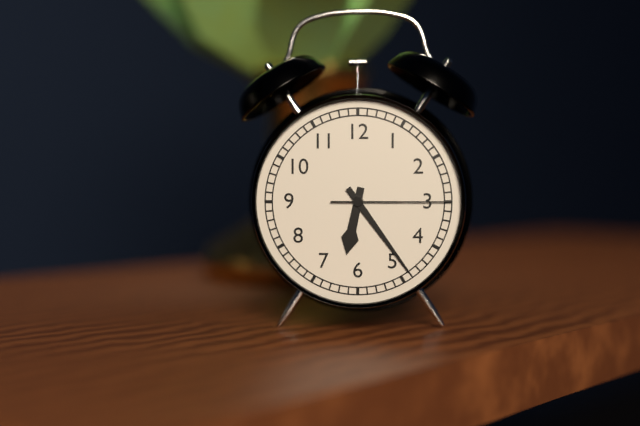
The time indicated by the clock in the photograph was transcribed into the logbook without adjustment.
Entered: 6:24:15
